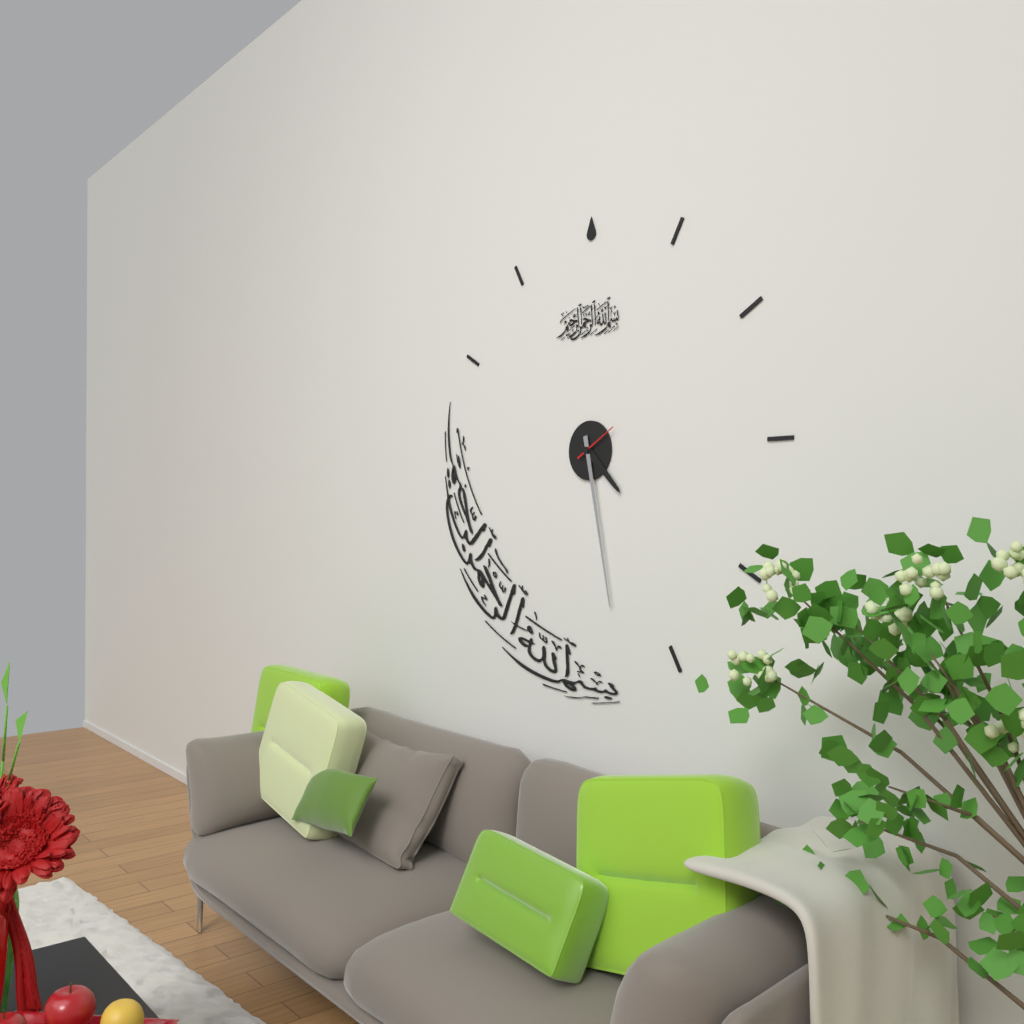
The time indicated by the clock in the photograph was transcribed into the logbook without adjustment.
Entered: 4:28
